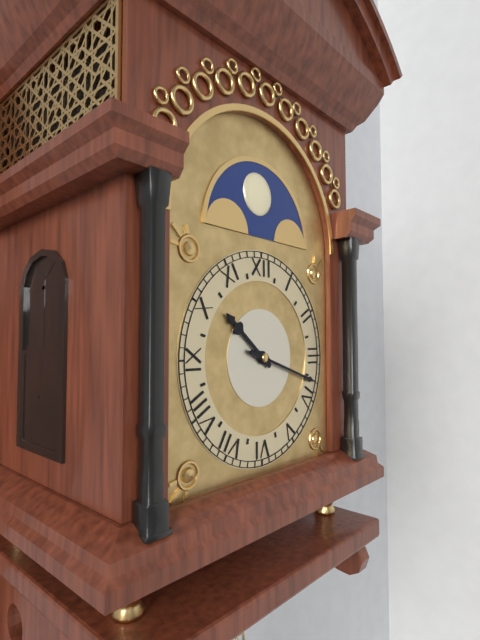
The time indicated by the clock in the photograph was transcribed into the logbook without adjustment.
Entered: 10:18
